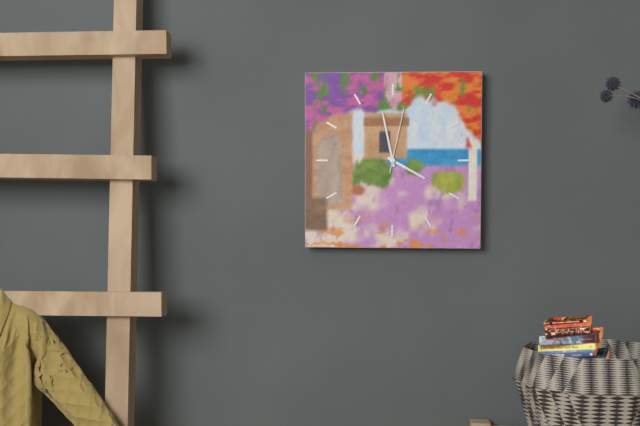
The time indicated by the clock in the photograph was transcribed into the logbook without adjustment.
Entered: 3:58:02
